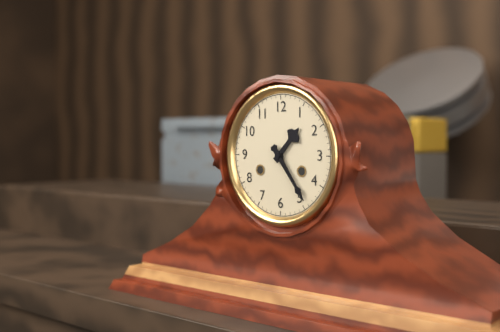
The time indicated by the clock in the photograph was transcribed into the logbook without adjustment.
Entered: 1:24
